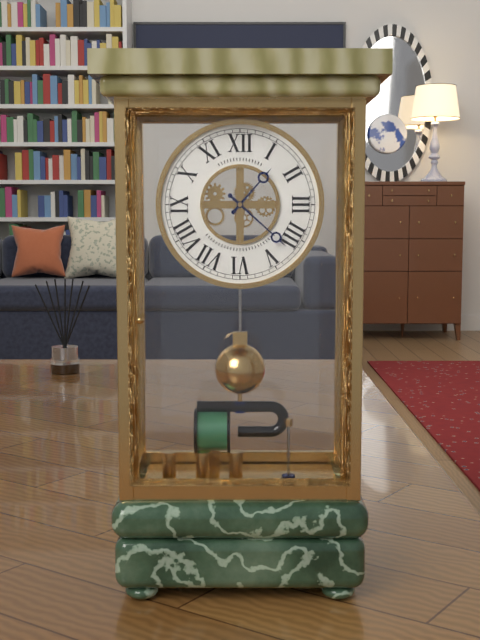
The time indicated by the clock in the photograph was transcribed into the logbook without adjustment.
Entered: 1:22
